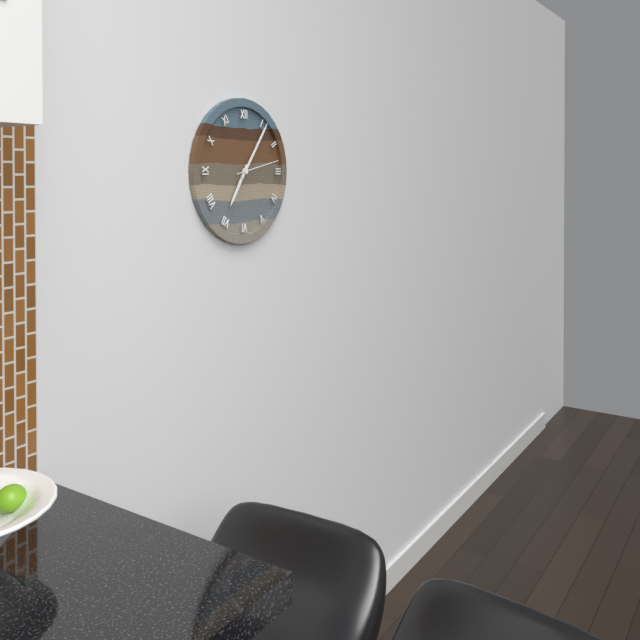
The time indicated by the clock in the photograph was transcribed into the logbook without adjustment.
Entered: 7:06
